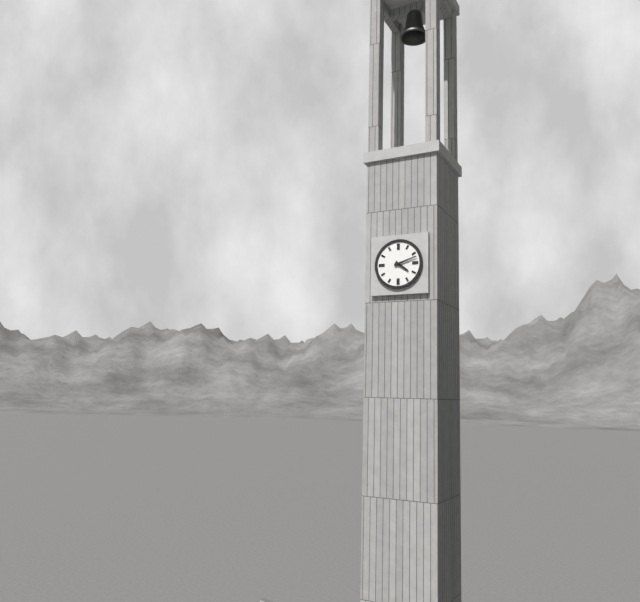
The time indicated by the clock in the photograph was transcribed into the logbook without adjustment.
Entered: 4:12
